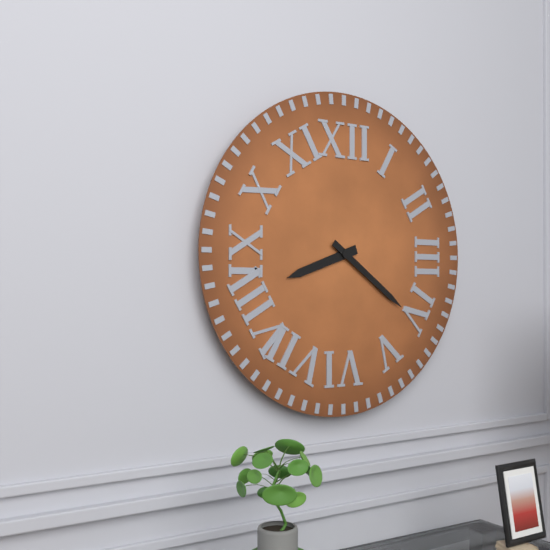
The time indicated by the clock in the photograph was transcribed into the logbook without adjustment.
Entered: 8:21
